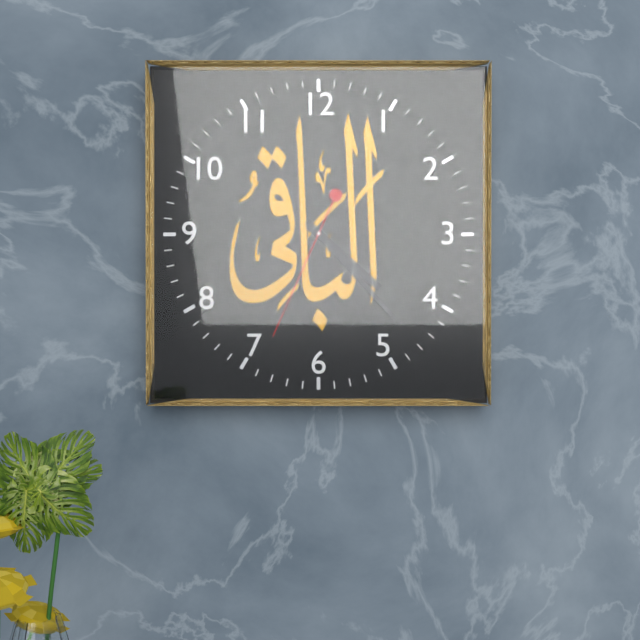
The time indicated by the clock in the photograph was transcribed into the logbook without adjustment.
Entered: 4:23:34
